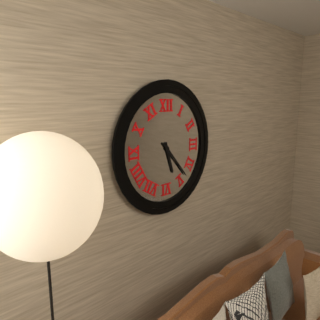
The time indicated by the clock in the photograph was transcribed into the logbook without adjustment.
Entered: 5:23
